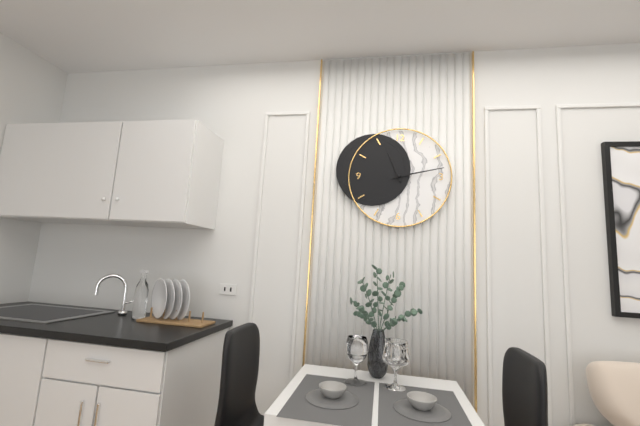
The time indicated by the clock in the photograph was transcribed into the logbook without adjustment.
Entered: 11:13
